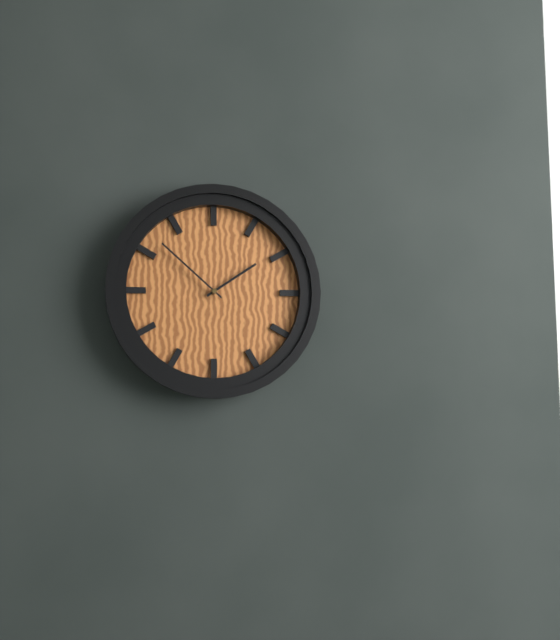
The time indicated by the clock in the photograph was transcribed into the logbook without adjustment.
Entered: 1:52
